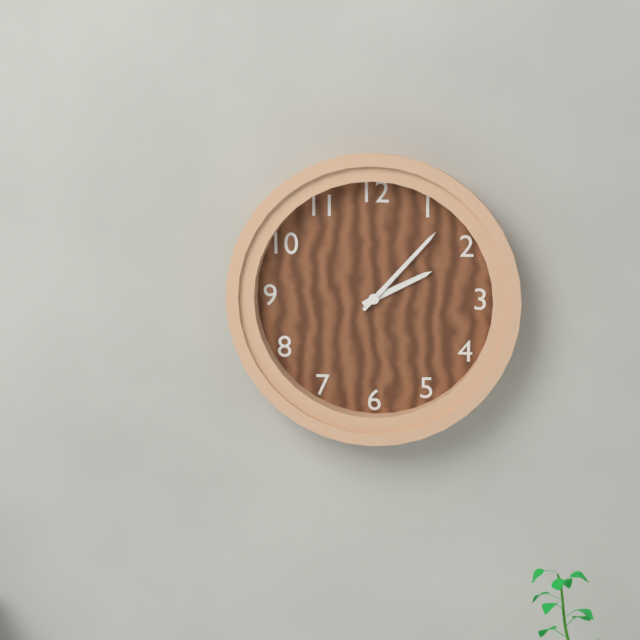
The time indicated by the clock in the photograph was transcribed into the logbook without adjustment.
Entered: 2:07
